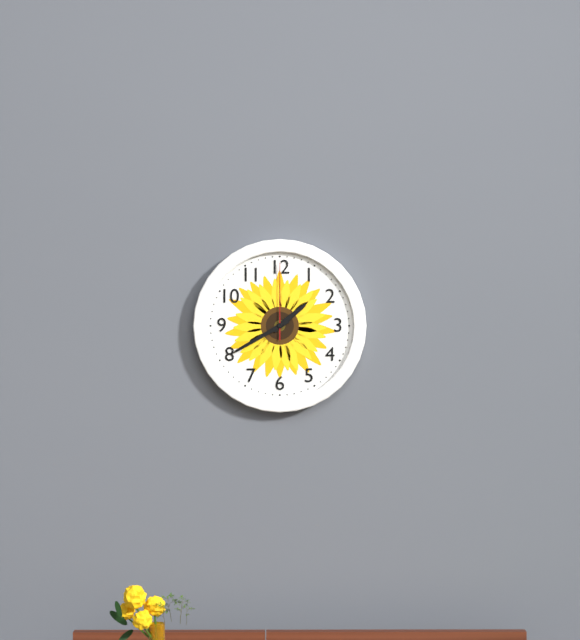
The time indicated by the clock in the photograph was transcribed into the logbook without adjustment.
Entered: 1:40:00
